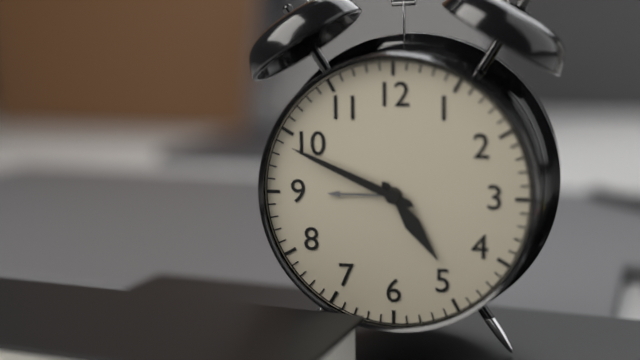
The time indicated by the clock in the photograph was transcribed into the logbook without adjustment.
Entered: 4:49
